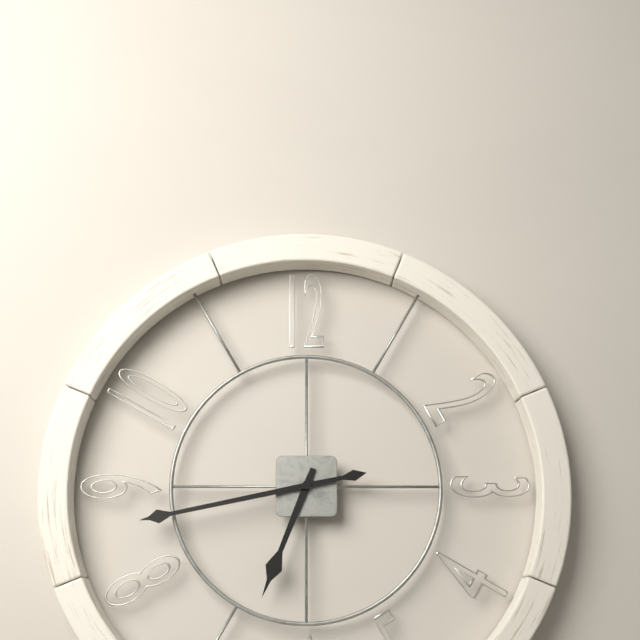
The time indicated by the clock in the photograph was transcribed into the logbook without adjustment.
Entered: 6:43
